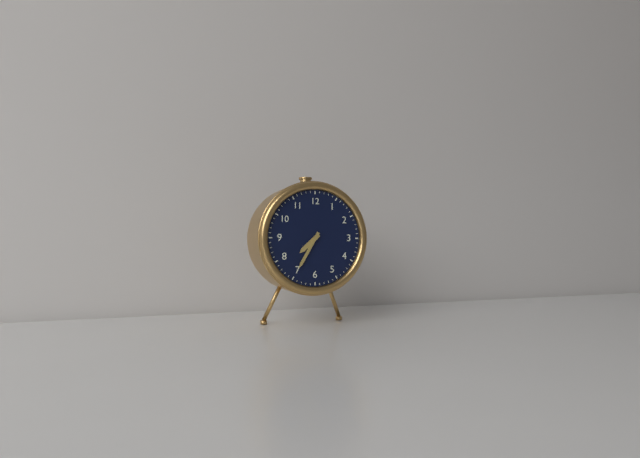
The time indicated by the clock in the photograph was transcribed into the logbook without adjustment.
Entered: 7:35
